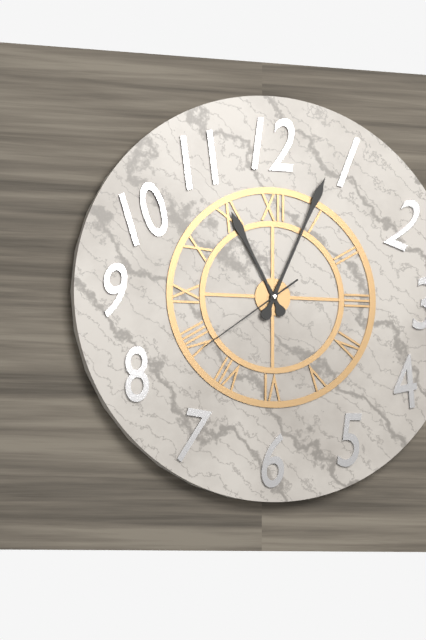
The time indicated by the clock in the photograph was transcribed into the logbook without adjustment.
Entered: 11:04:39
